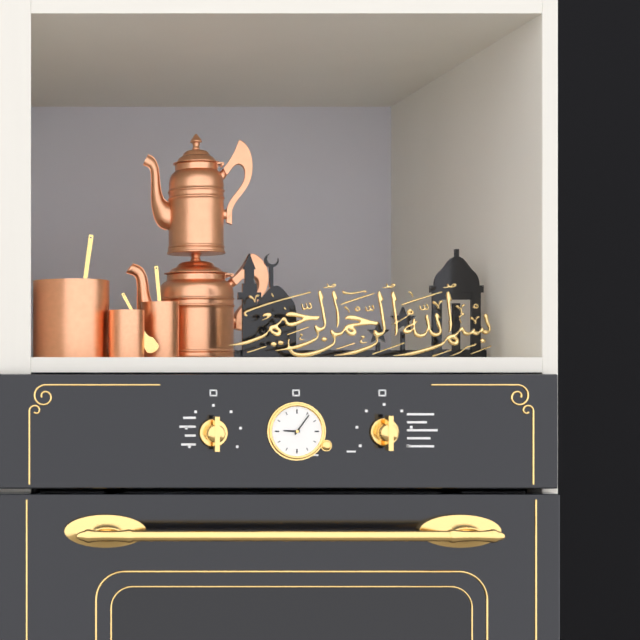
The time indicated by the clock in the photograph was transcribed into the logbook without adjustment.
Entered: 9:06
